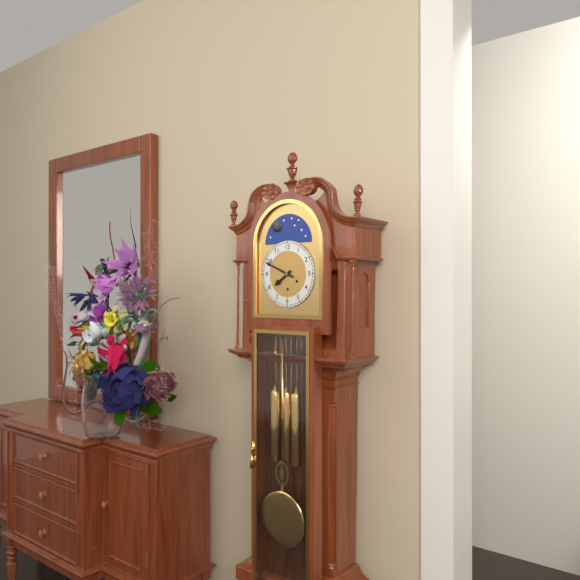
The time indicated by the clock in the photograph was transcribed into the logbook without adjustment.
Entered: 7:49
